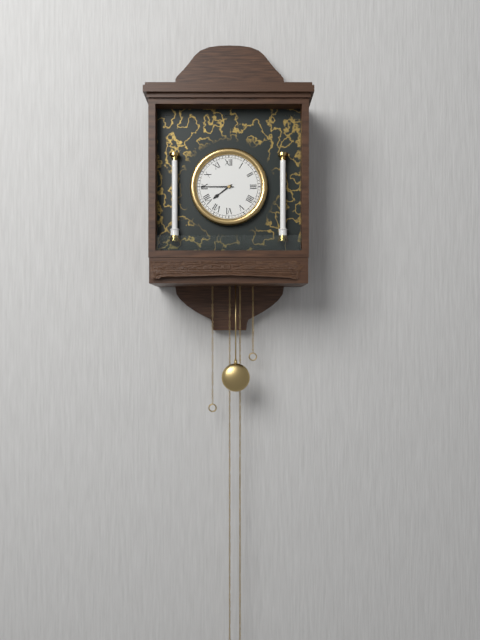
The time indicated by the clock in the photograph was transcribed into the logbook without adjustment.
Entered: 7:45
